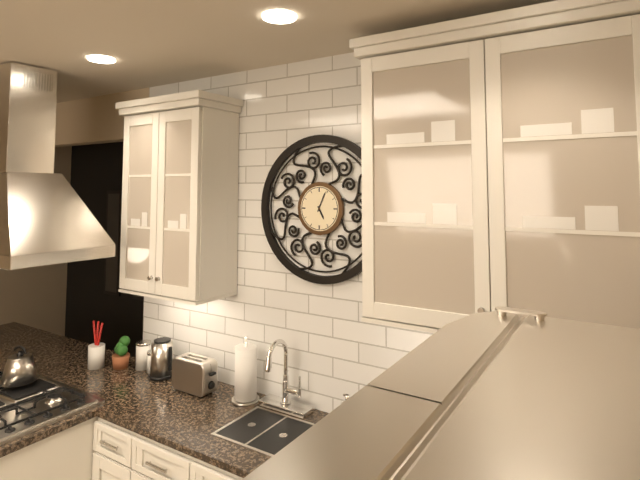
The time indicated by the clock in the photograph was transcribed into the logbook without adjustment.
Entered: 5:04
